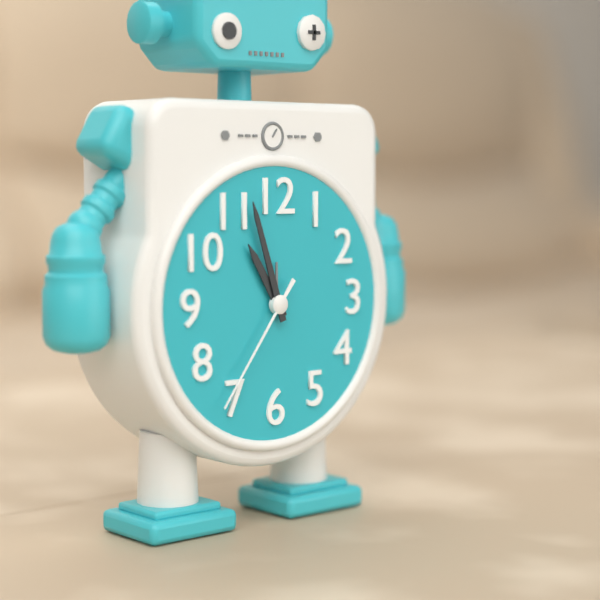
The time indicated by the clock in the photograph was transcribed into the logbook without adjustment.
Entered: 10:57:36
